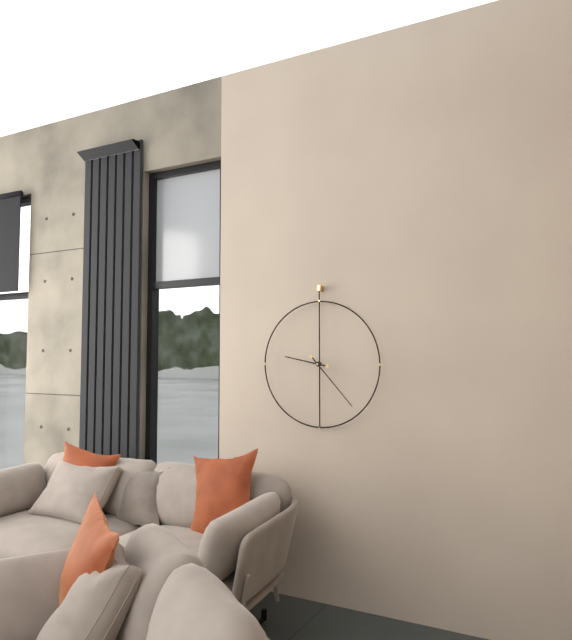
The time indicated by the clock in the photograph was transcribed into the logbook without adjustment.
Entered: 9:23
